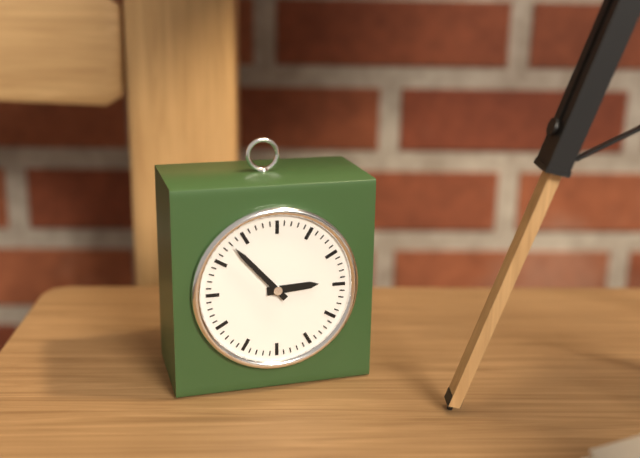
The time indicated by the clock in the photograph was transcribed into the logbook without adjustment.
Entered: 2:53
